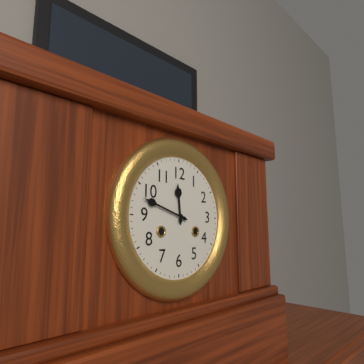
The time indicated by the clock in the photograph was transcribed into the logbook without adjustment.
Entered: 11:48
